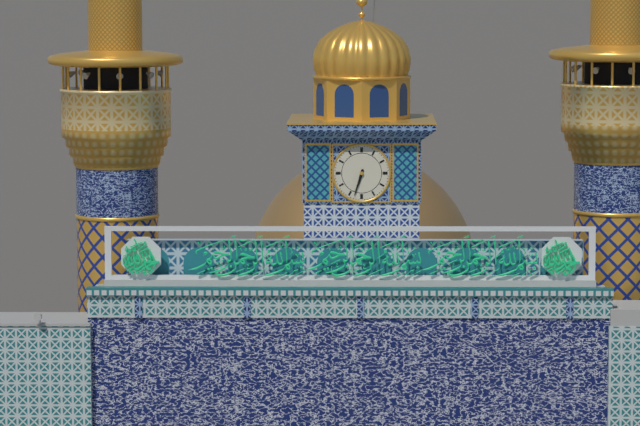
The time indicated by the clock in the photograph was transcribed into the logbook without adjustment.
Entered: 6:33
